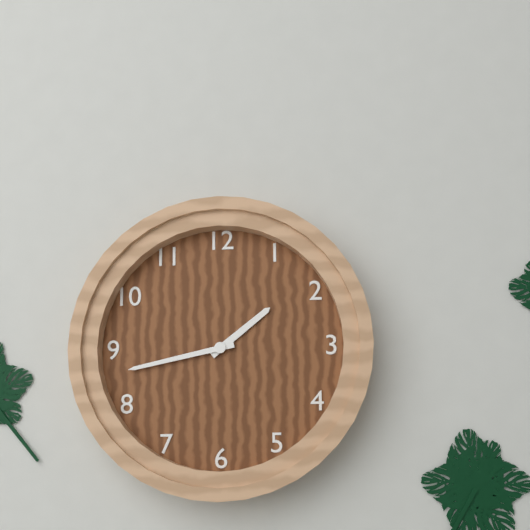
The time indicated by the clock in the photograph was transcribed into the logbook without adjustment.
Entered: 1:43
